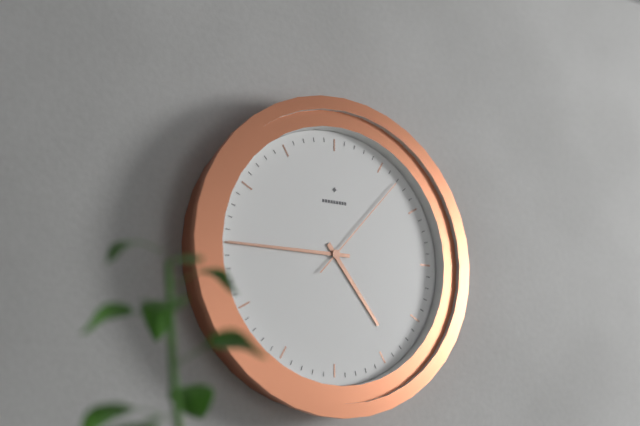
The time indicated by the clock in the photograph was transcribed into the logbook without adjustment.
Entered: 4:45:07
